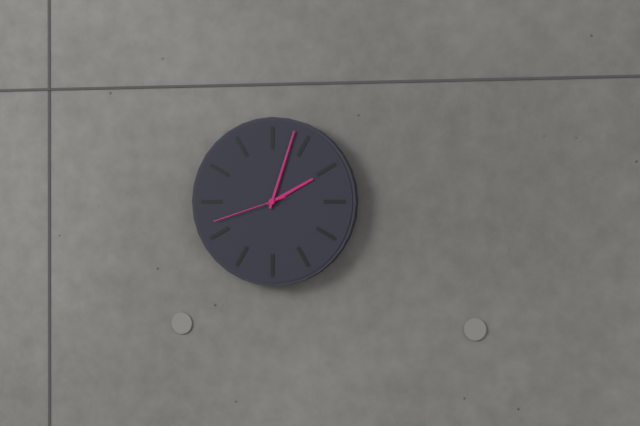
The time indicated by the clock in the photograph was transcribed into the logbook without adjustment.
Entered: 2:03:42
